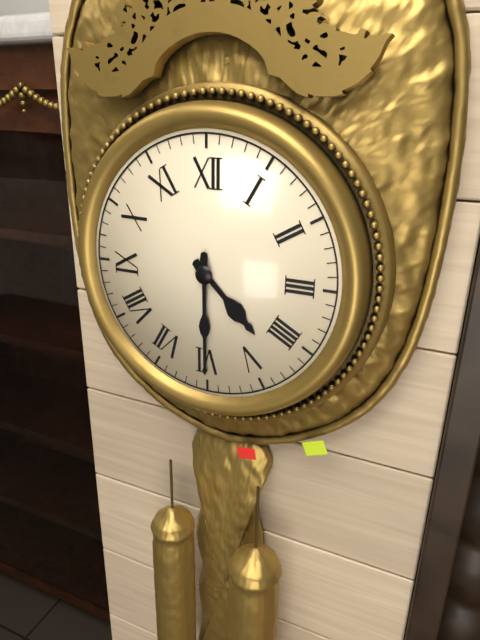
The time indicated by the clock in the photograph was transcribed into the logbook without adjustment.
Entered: 4:30
